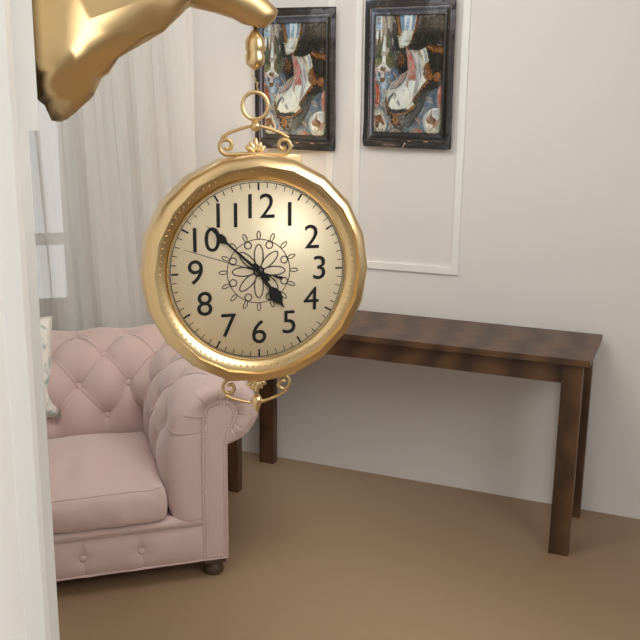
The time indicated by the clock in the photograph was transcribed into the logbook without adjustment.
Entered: 4:52:48
